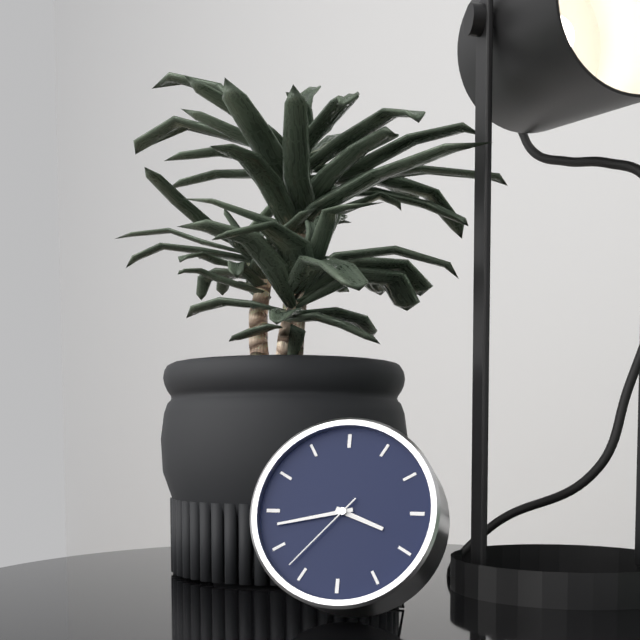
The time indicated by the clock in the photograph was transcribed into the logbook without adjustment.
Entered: 3:43:37
